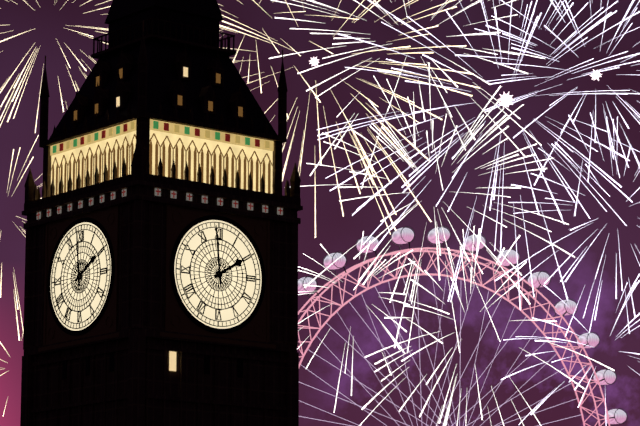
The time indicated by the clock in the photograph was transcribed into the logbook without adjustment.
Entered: 1:59
